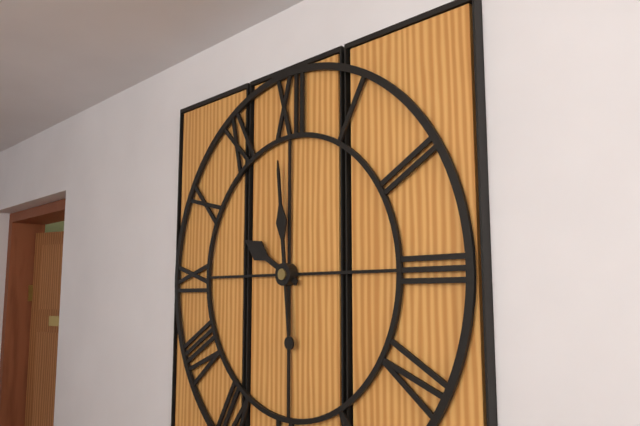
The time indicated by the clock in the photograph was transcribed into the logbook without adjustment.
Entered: 9:59
